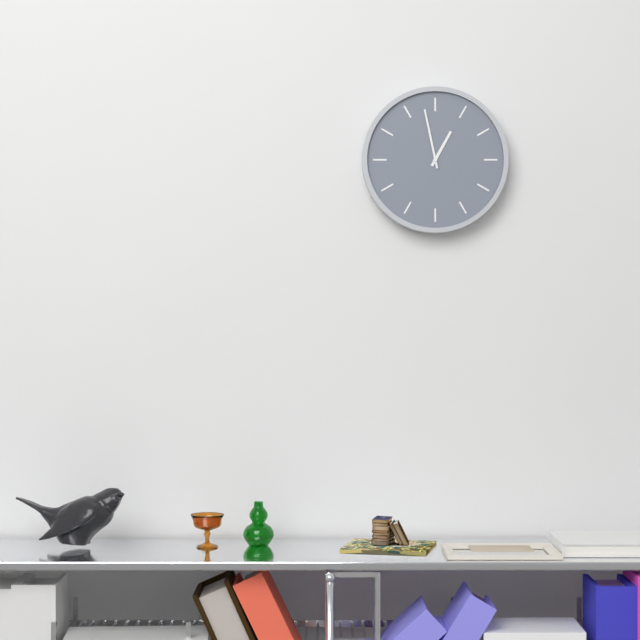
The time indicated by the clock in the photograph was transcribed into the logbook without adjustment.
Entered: 12:58
